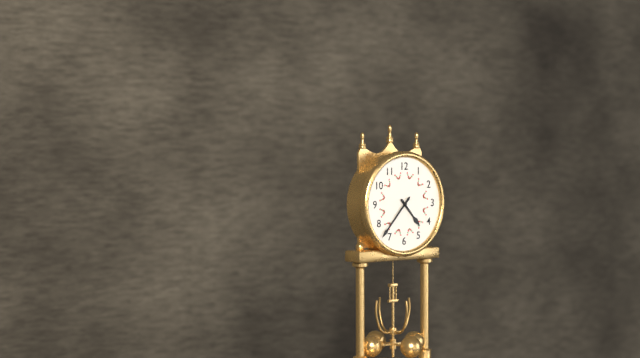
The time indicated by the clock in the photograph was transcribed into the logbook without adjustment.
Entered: 4:37
